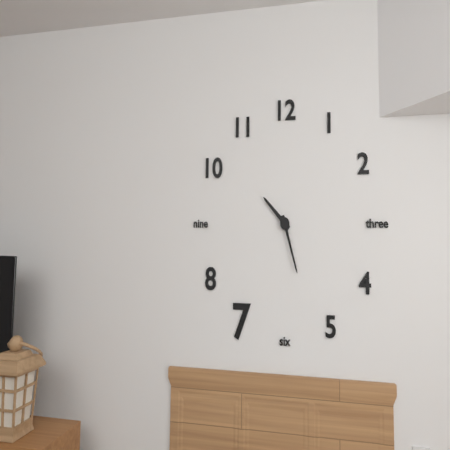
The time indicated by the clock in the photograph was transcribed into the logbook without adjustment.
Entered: 10:27
